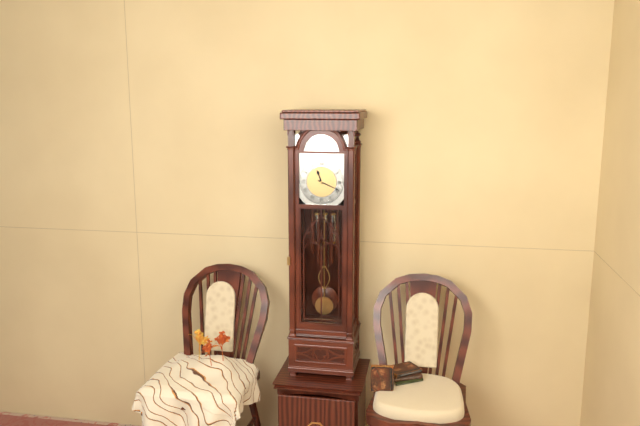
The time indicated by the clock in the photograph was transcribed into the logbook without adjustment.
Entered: 11:19
